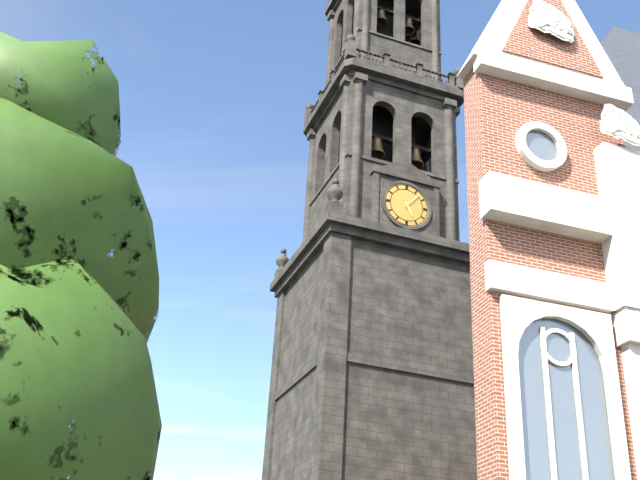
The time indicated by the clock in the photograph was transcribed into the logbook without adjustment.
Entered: 5:07
